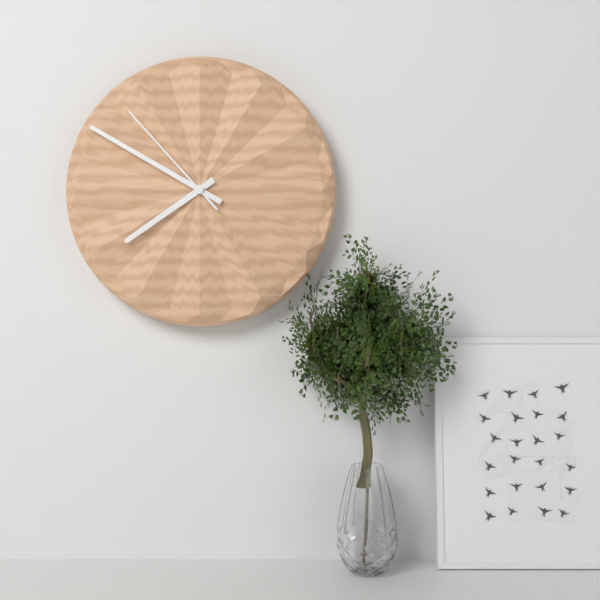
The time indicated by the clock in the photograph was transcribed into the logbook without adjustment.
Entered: 7:50:53
